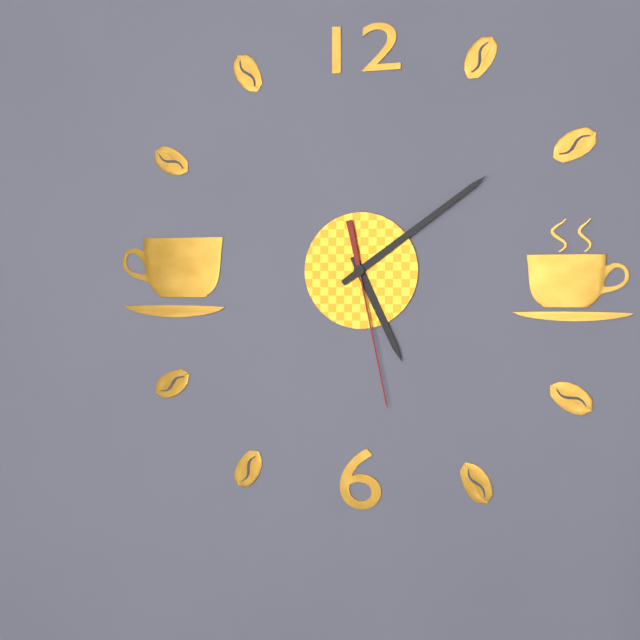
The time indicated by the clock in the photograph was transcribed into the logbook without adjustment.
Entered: 5:09:28
